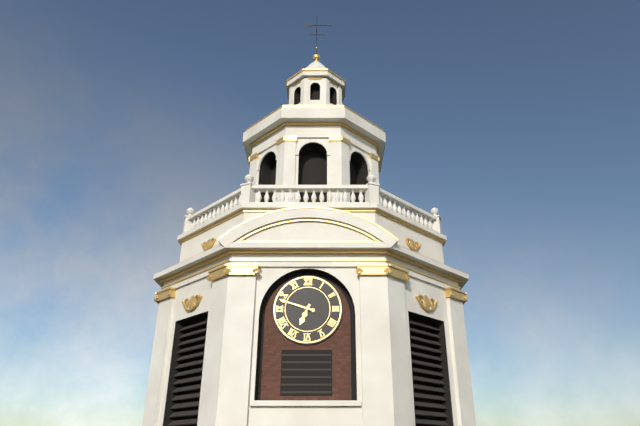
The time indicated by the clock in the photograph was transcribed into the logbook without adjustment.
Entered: 6:48
